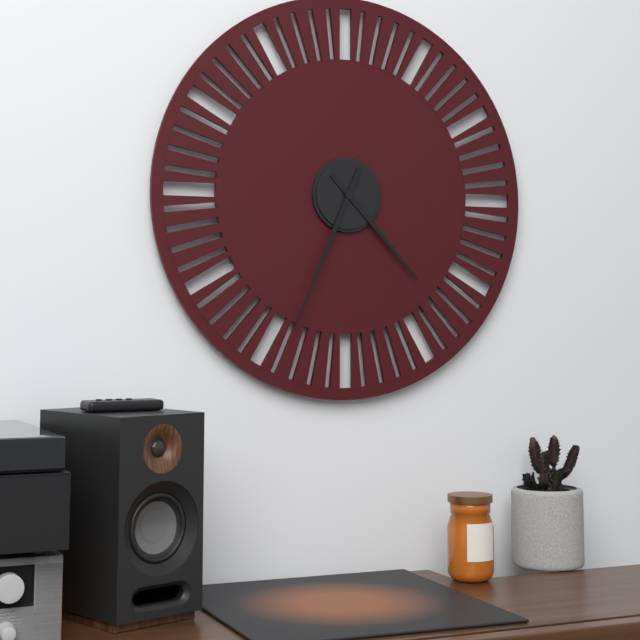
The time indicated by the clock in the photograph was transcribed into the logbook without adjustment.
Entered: 4:34
